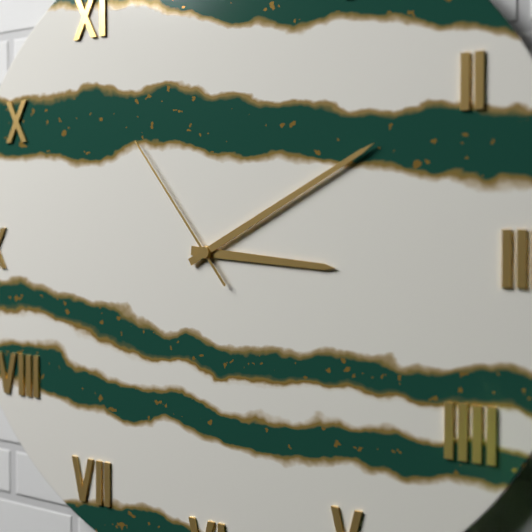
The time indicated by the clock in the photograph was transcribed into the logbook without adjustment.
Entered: 3:10:54
